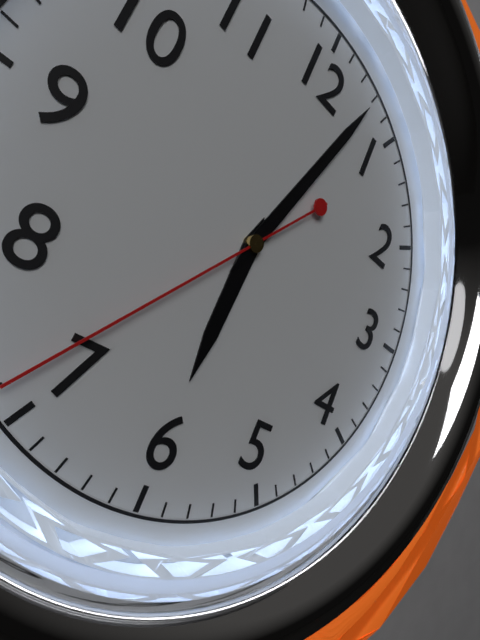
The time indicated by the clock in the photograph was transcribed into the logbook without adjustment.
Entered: 6:03
